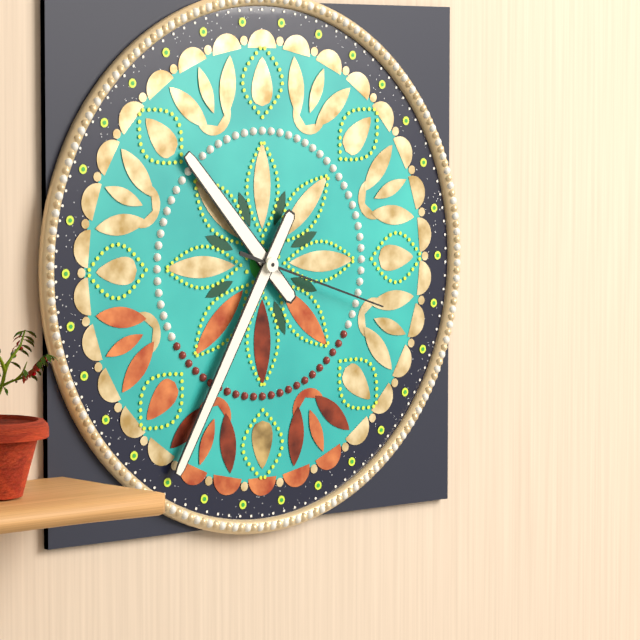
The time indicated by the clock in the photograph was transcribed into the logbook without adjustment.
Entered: 10:35:18
